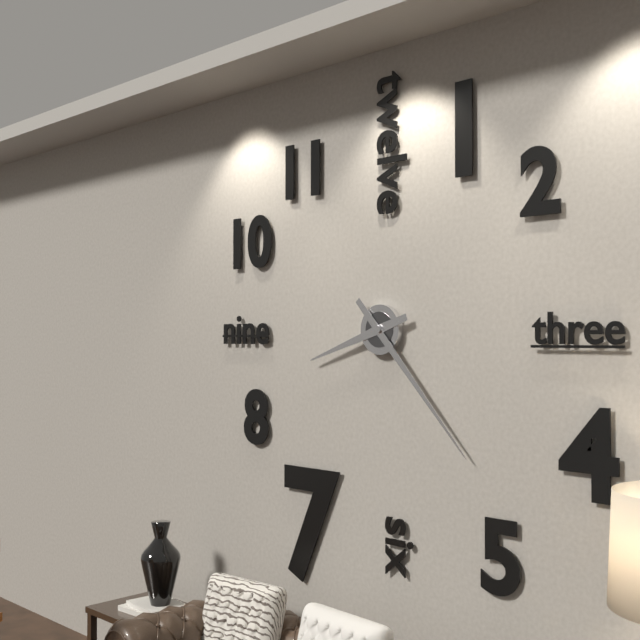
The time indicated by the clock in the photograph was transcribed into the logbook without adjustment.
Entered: 8:23
